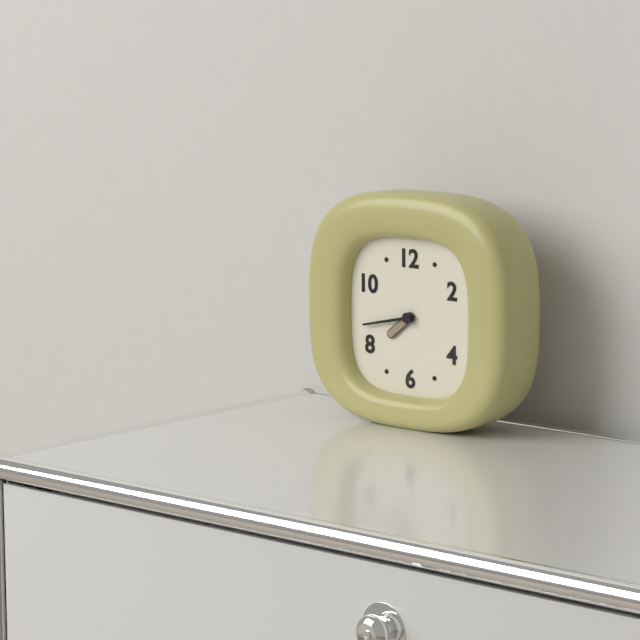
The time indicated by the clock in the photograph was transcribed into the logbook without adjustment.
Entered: 7:43
